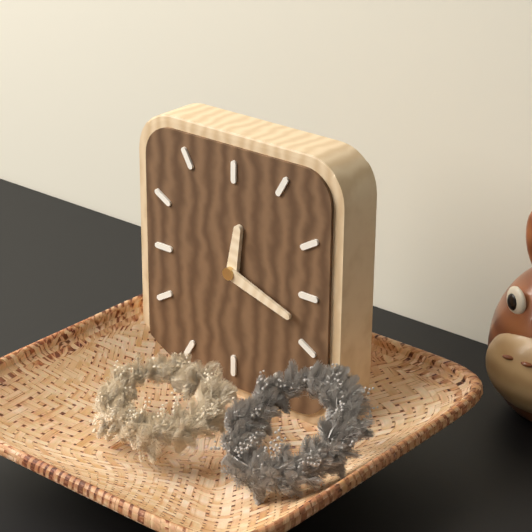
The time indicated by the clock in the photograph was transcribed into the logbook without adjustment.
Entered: 12:18
